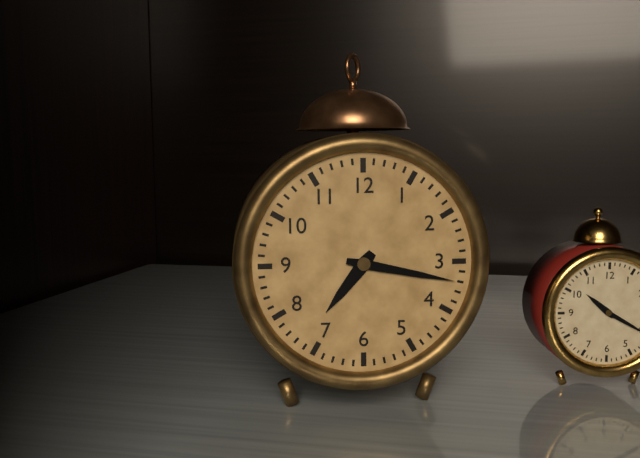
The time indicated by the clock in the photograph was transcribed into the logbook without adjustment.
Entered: 7:17
